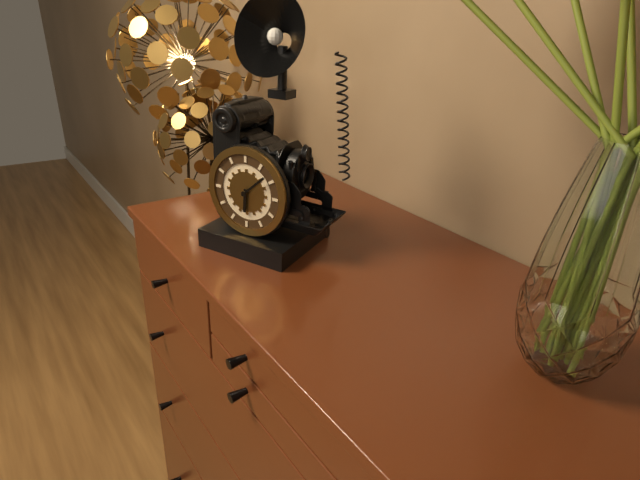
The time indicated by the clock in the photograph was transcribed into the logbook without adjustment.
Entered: 6:08
